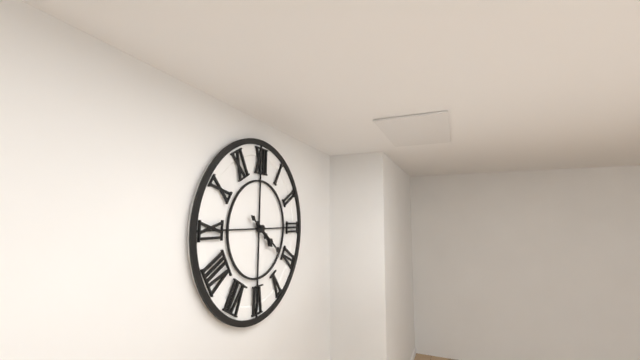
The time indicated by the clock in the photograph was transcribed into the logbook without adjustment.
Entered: 4:21
